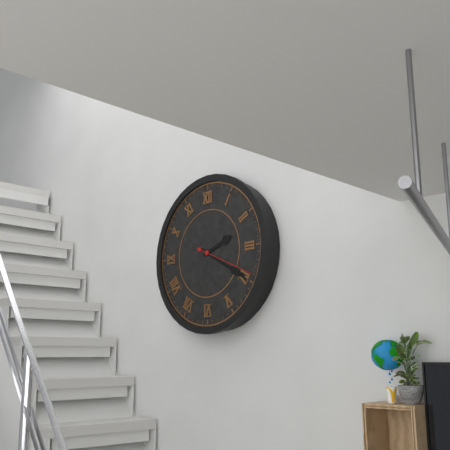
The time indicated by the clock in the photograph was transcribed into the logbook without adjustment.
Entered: 2:20:19
